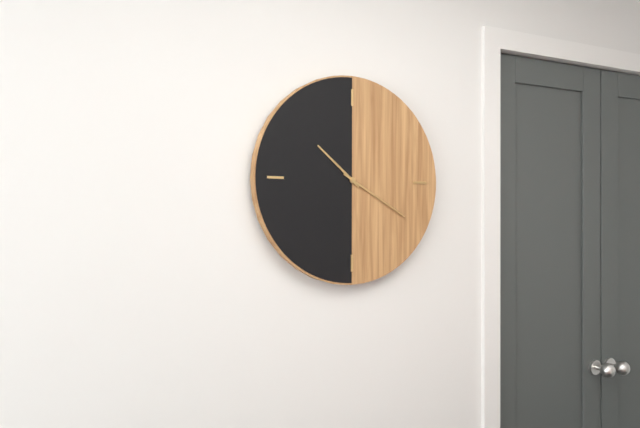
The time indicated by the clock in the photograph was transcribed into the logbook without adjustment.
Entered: 10:20
